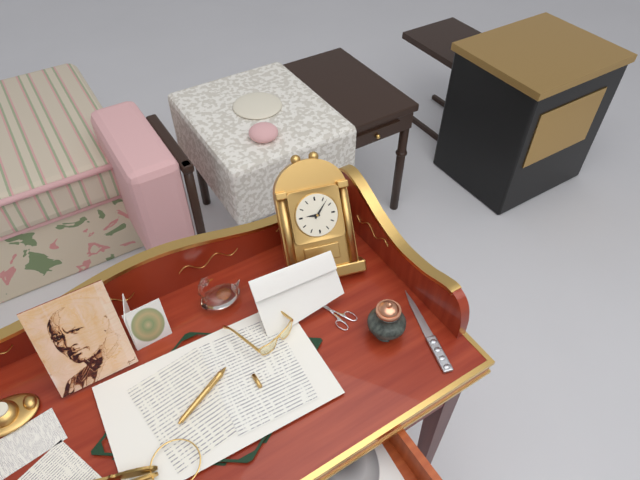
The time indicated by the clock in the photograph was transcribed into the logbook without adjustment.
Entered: 9:07
